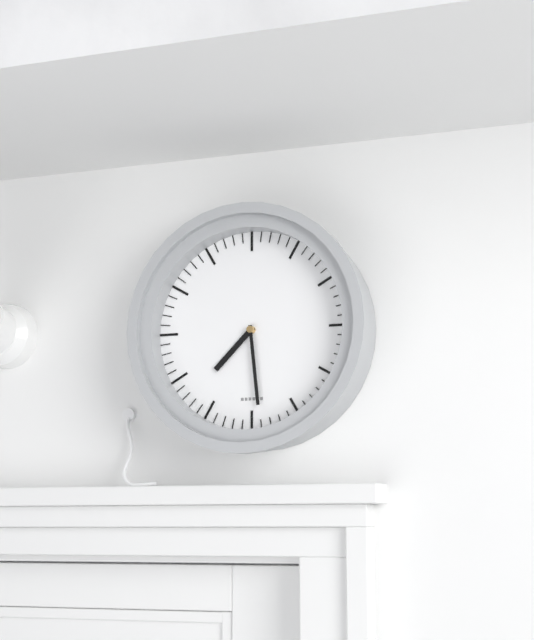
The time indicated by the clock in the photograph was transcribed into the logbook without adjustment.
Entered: 7:29
